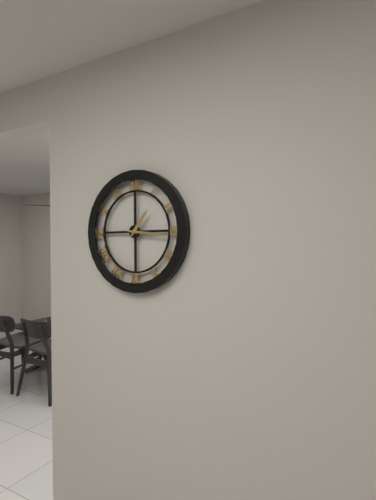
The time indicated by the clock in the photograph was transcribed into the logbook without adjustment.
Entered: 1:16
